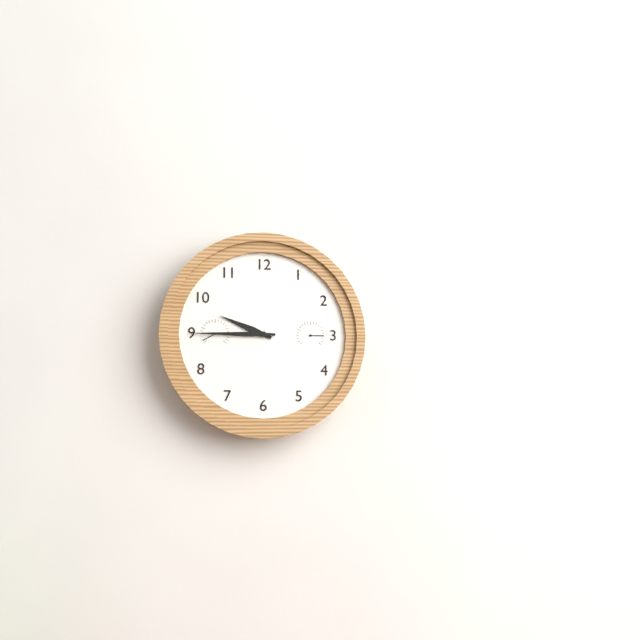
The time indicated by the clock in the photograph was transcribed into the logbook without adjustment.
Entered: 9:45
